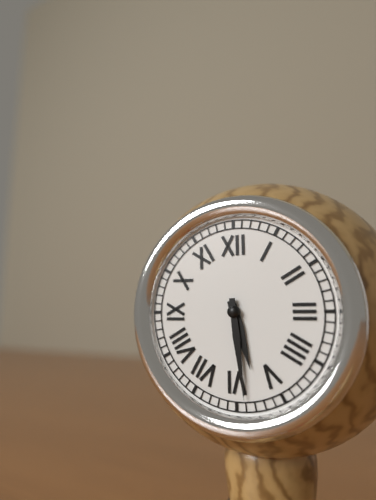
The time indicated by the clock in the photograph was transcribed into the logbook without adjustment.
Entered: 5:29
